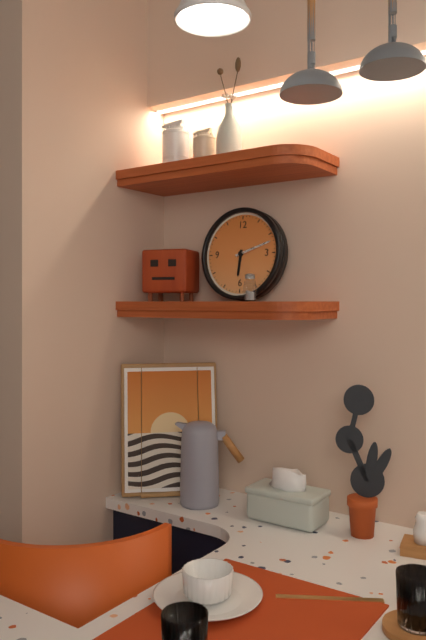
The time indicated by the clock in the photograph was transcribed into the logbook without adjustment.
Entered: 6:12
